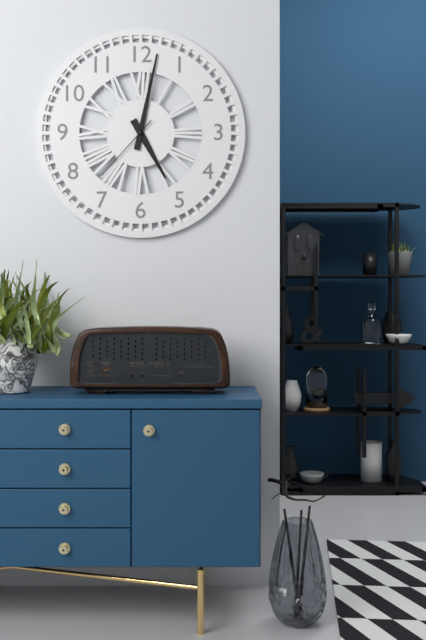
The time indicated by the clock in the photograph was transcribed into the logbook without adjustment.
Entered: 5:02:37
